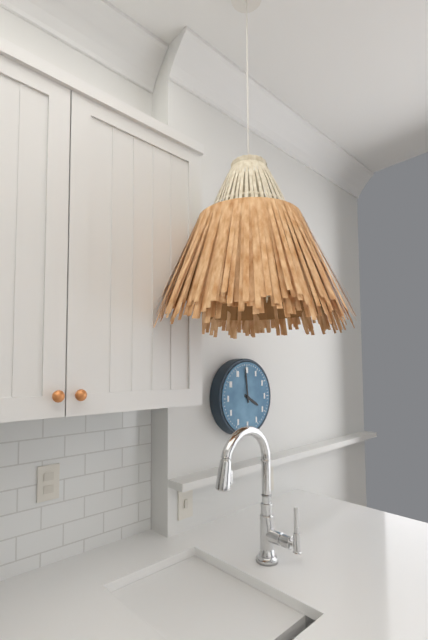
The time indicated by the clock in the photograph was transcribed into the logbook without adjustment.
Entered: 3:59
